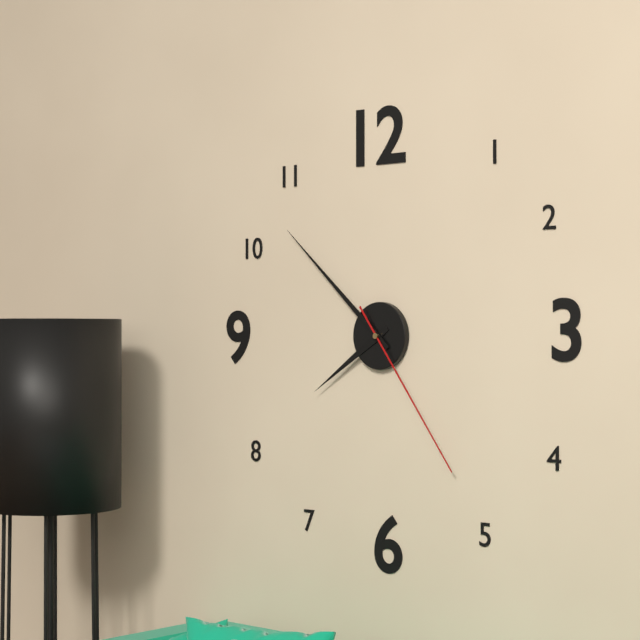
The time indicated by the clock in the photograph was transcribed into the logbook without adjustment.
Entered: 7:52:24
